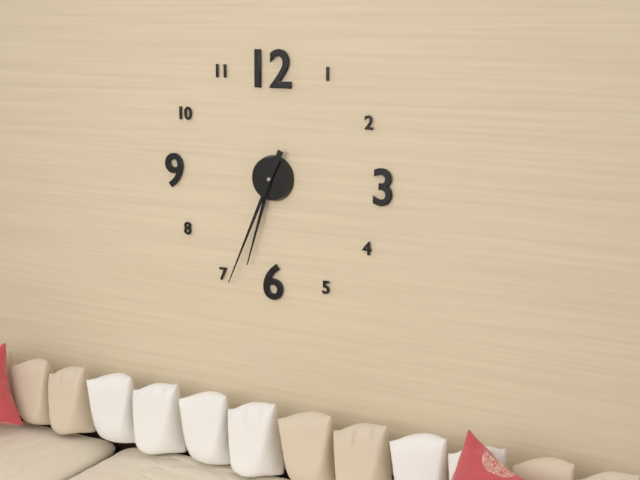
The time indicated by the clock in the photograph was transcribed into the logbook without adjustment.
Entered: 6:34
